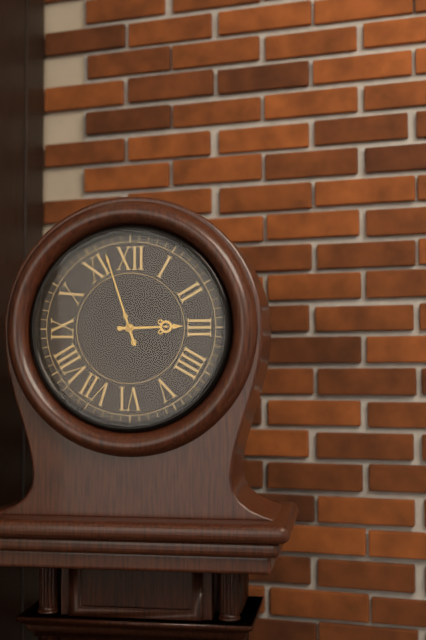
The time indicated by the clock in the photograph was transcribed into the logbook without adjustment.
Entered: 2:57
